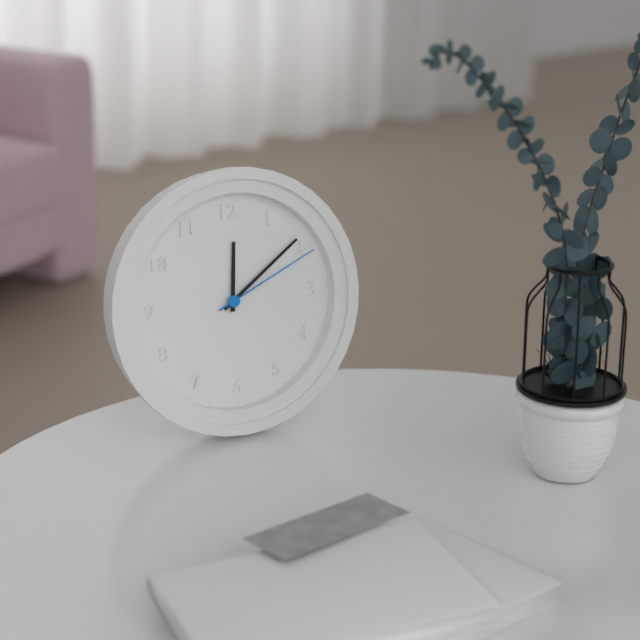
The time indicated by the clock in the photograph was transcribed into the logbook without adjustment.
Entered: 12:09:11
